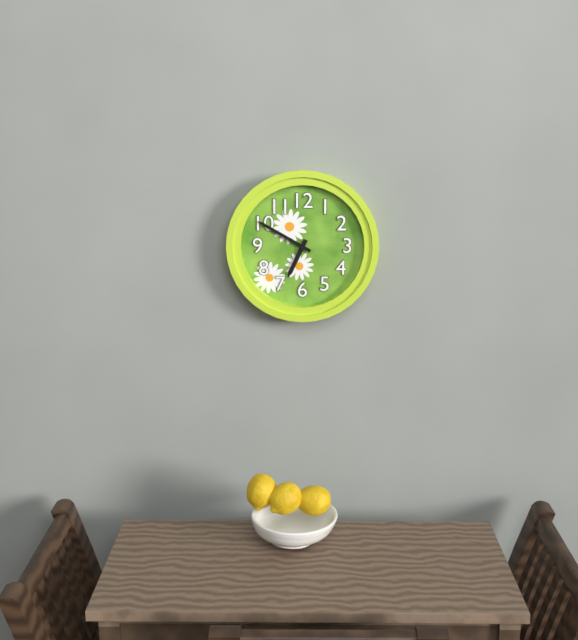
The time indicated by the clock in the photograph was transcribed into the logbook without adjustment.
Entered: 6:50
